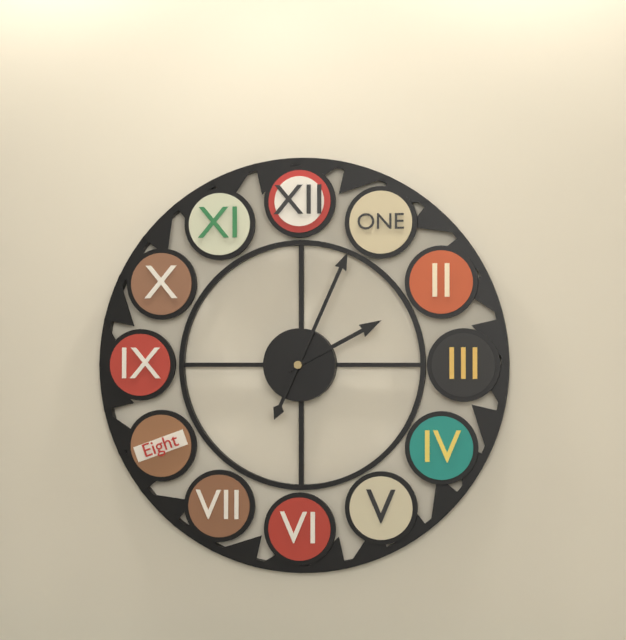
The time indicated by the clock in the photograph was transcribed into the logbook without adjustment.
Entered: 2:04
